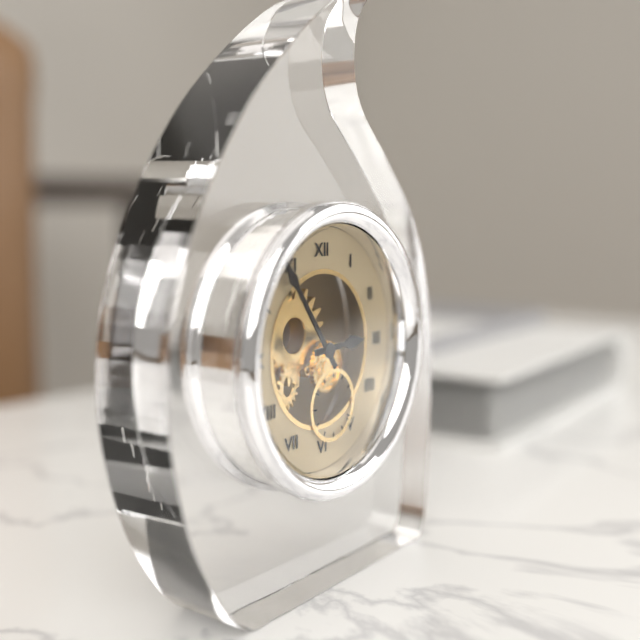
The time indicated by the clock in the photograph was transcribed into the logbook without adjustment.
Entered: 2:54
